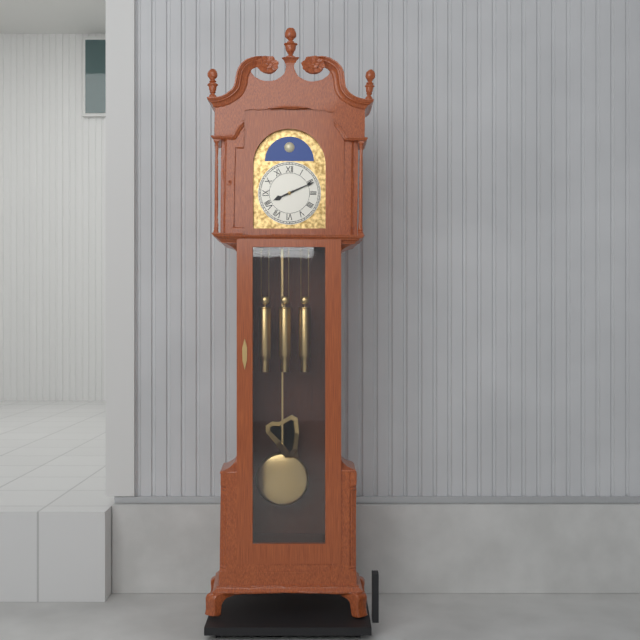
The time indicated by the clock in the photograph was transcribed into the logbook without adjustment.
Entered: 8:11
